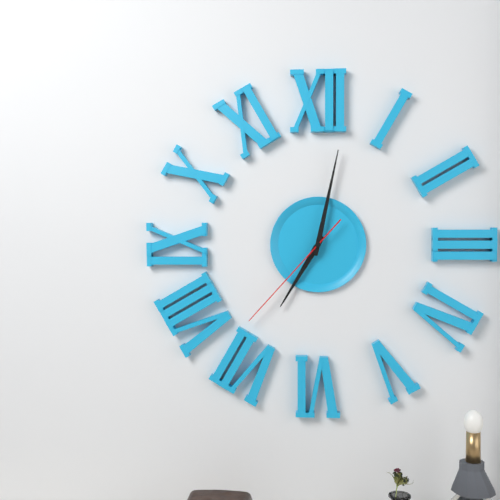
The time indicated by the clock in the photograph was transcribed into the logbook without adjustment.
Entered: 7:02:37
